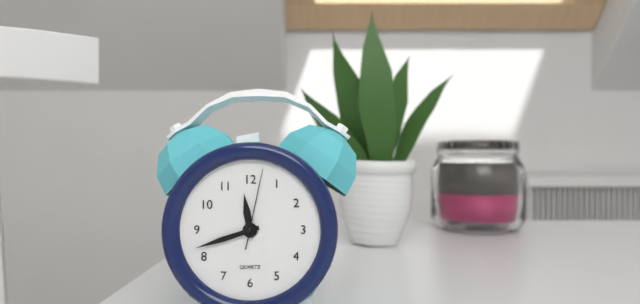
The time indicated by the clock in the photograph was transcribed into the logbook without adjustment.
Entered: 11:42:02
